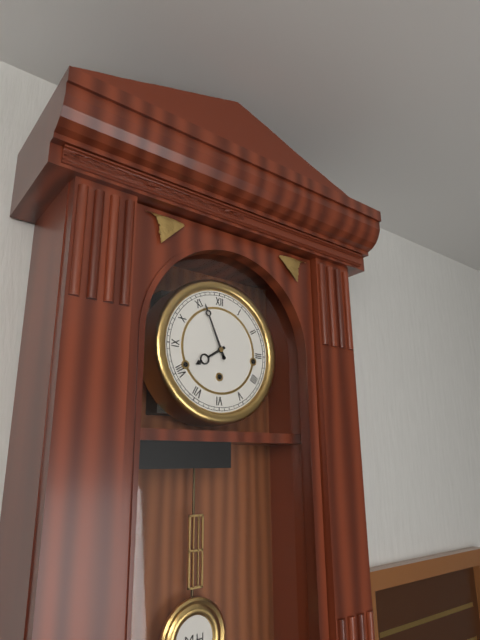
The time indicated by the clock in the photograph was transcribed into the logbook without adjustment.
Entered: 7:56
